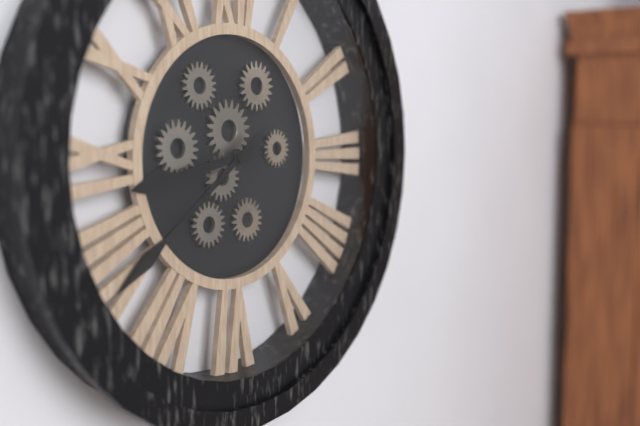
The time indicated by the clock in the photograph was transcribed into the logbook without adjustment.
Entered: 8:39
